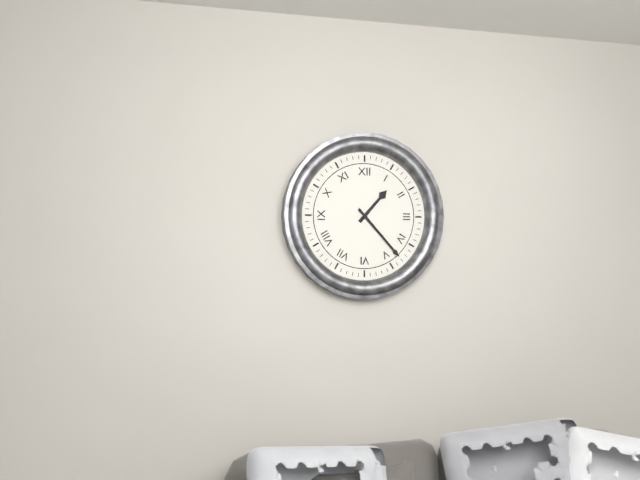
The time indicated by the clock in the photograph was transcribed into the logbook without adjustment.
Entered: 1:23
